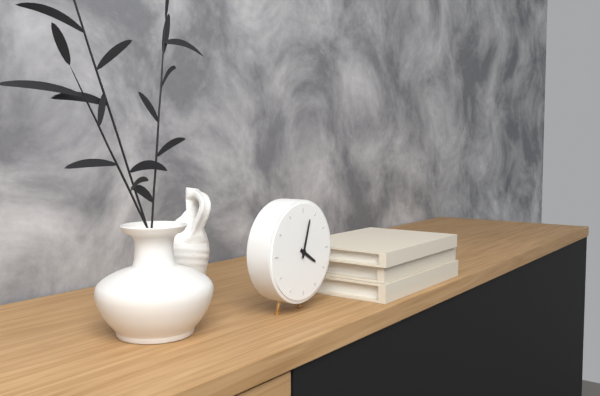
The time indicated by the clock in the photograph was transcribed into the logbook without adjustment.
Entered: 4:03
